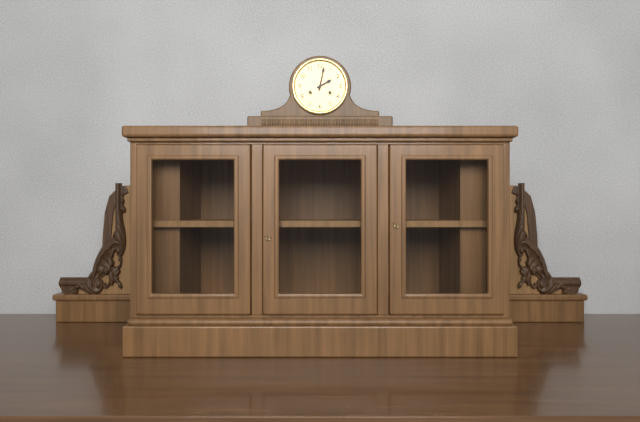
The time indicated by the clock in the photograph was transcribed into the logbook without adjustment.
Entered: 2:02
